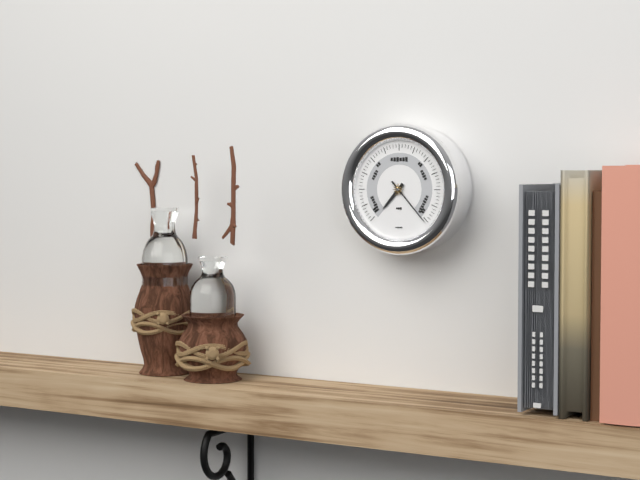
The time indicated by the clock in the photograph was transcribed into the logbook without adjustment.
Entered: 7:23
